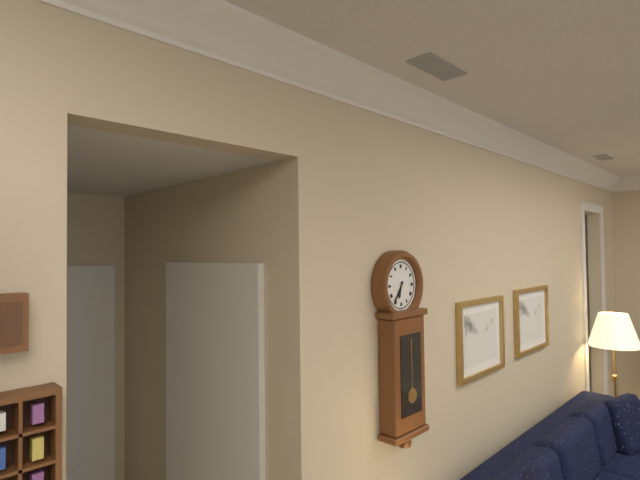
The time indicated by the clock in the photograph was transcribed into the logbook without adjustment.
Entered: 6:36
